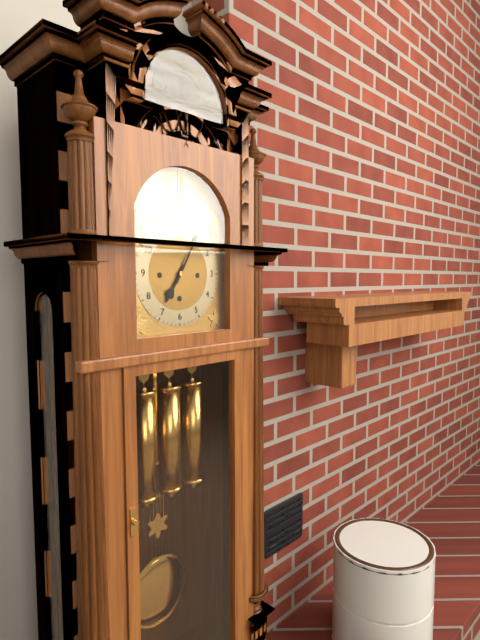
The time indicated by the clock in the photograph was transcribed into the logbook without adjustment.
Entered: 7:05
